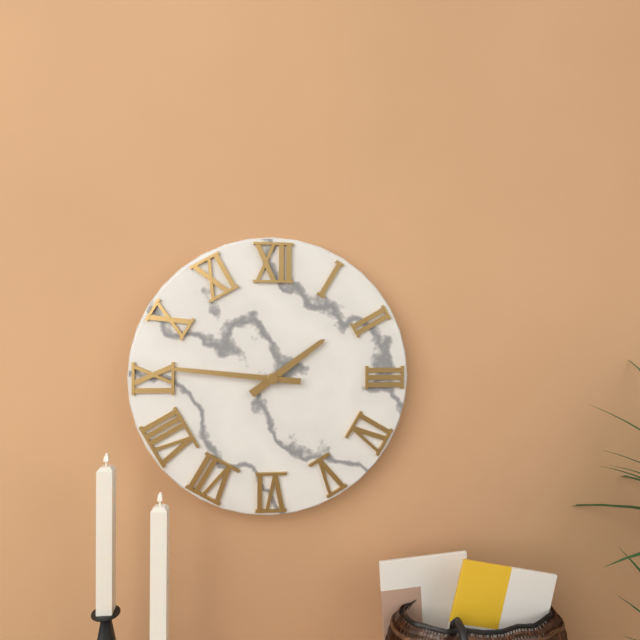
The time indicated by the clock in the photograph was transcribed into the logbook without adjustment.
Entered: 1:46
